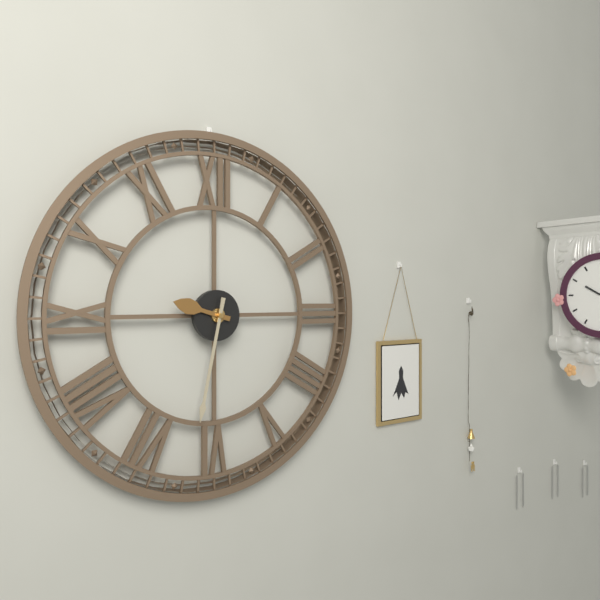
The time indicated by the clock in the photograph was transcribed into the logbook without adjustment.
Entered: 9:32
